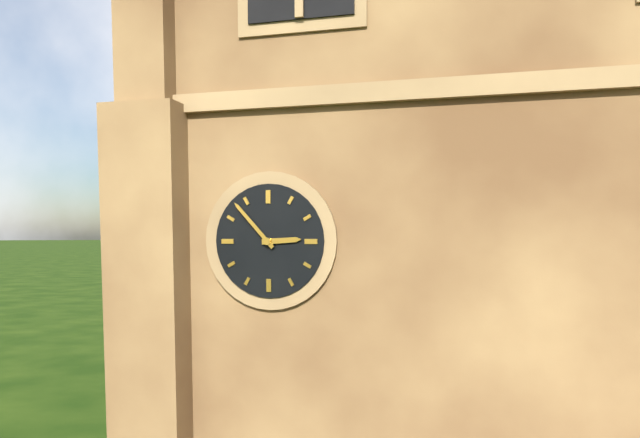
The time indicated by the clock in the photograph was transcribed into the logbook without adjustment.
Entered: 2:53
